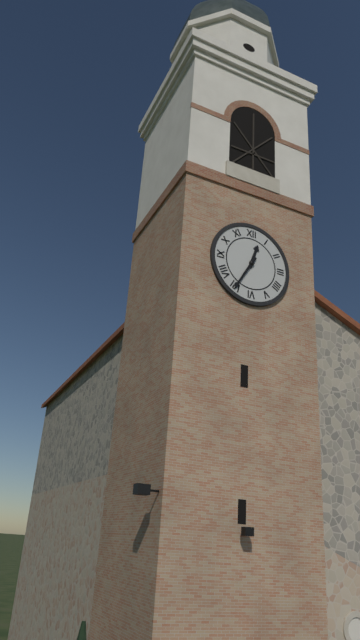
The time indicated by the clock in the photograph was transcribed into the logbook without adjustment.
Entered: 12:35
